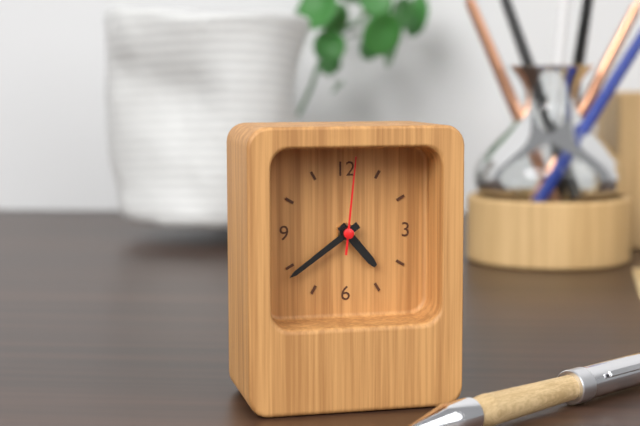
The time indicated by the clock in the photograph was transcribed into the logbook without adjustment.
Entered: 4:39:01
